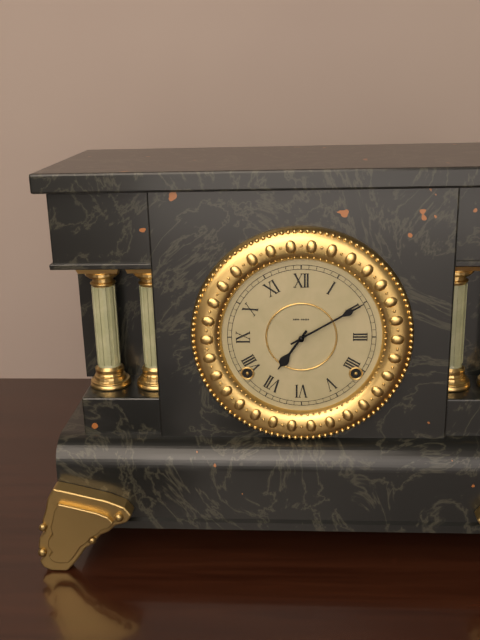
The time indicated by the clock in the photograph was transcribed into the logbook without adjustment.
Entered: 7:10
